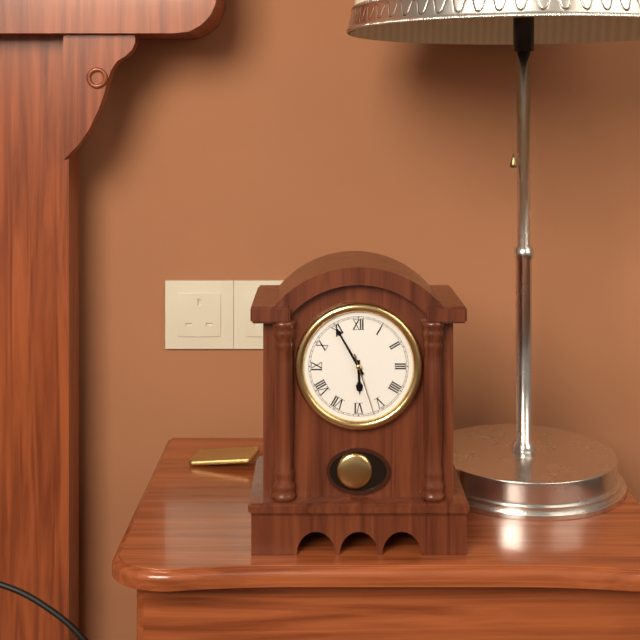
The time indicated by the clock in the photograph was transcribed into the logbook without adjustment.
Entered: 5:55:27
